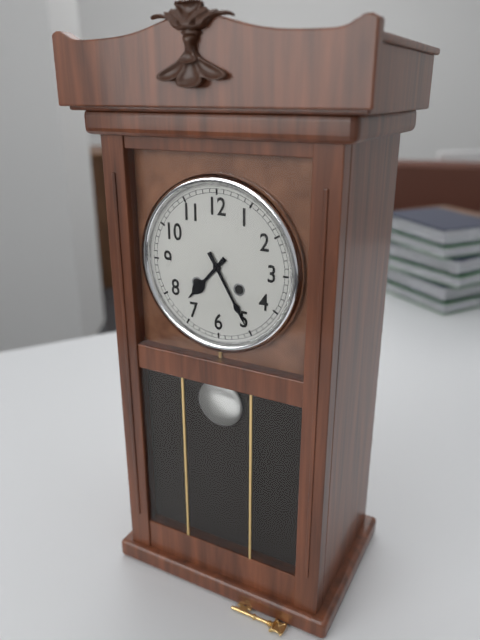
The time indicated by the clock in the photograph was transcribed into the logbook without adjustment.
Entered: 7:25
